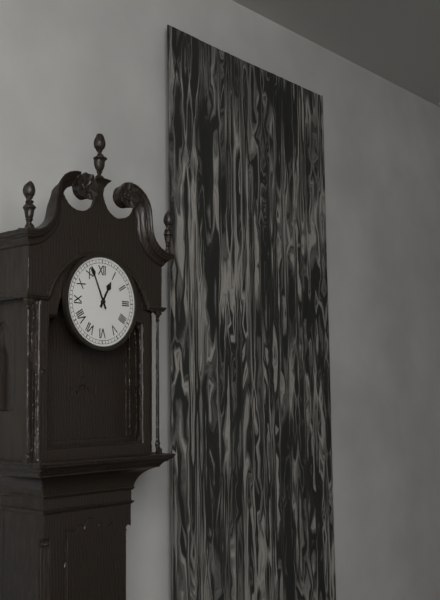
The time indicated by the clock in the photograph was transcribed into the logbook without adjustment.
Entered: 12:56
